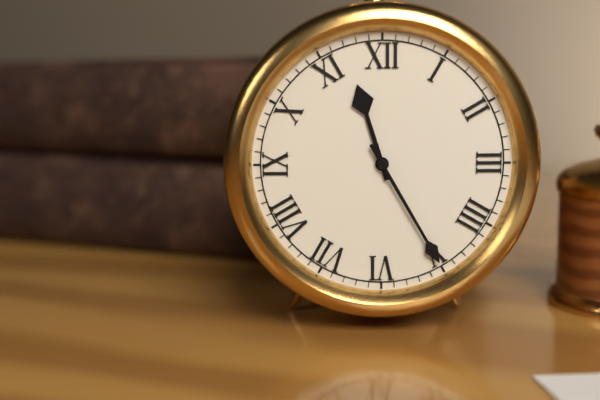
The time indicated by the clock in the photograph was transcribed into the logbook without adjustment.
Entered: 11:25
